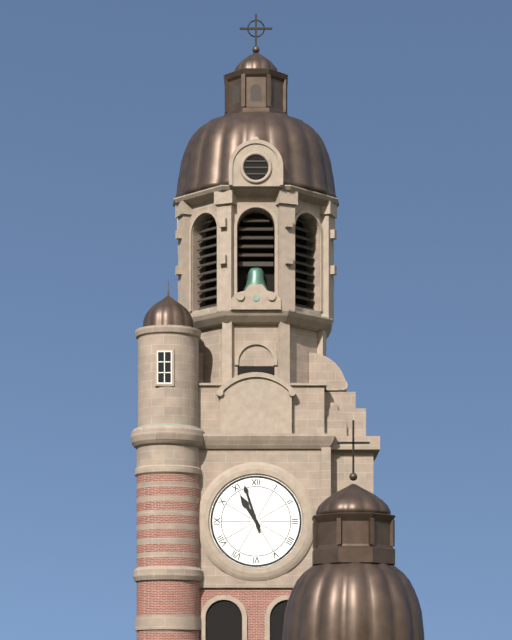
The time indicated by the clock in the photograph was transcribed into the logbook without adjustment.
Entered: 10:57
